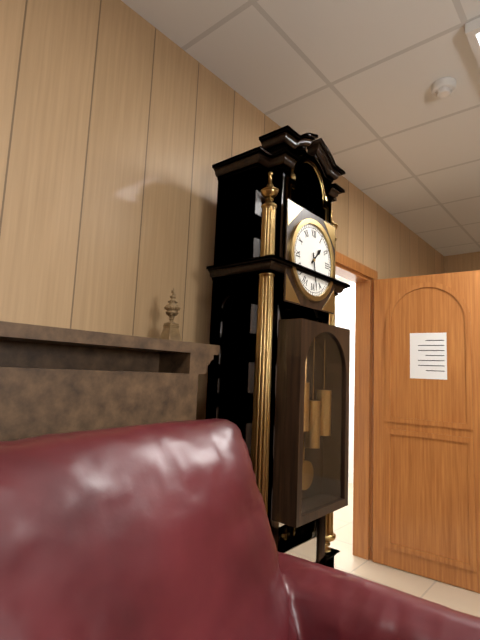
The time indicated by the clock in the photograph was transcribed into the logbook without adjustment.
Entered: 1:28
